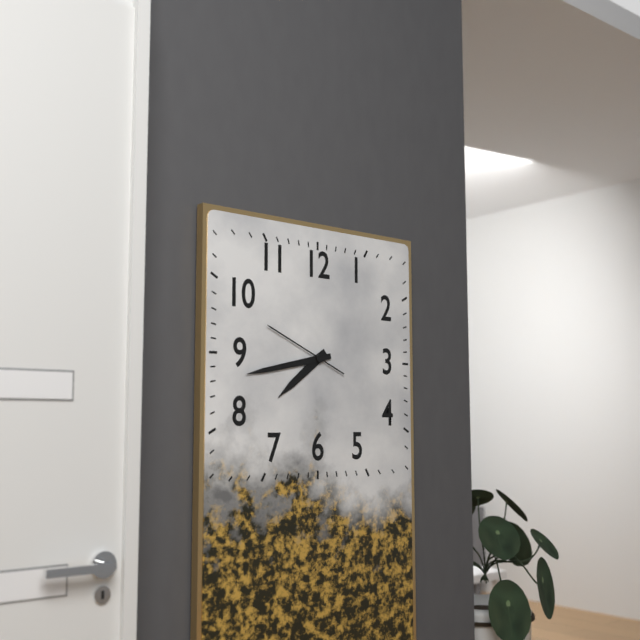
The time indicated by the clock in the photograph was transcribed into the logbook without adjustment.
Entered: 7:43:49
